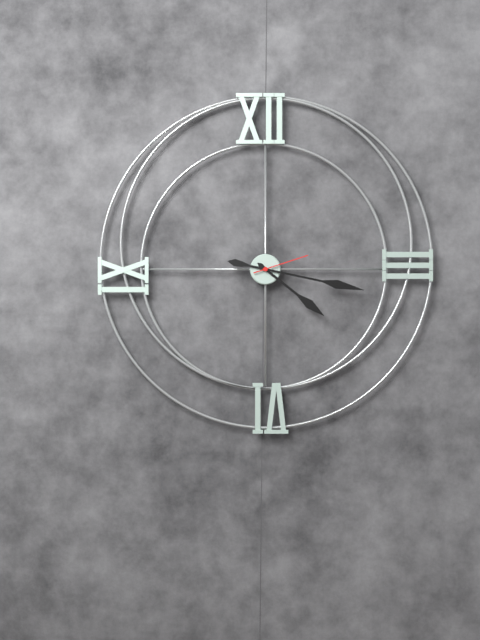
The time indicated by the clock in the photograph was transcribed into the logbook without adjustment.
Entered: 4:17:12
